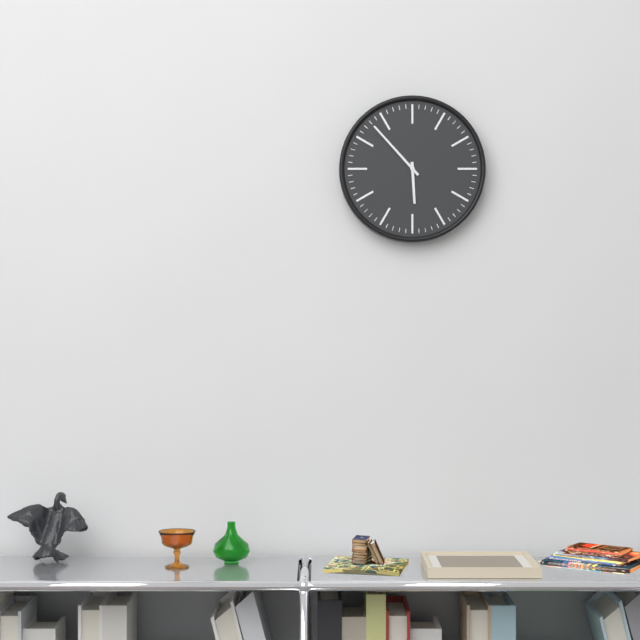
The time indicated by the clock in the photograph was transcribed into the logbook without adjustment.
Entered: 5:53
